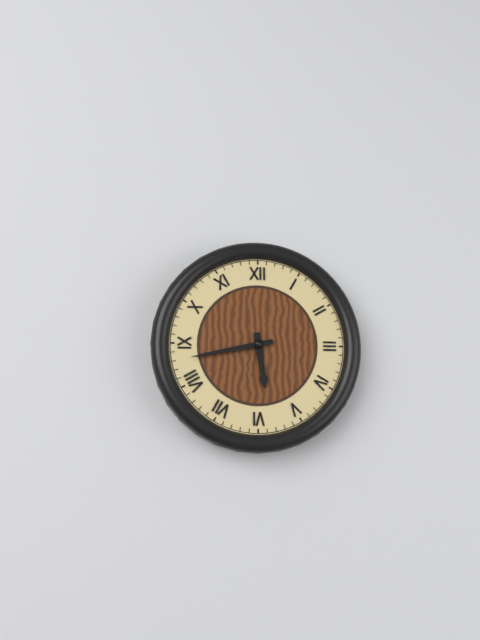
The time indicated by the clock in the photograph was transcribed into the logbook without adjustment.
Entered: 5:43
